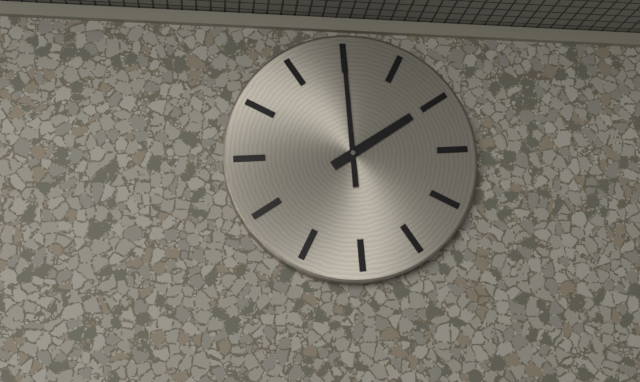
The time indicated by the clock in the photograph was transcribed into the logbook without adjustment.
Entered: 2:00
